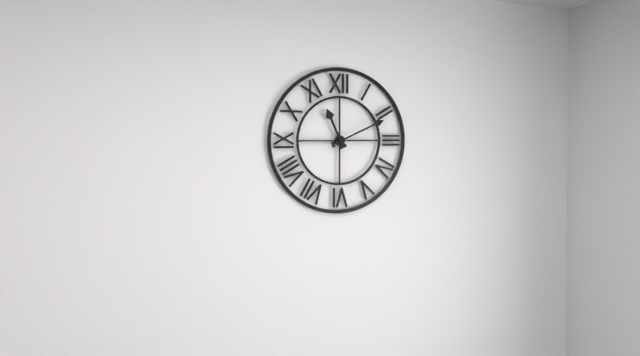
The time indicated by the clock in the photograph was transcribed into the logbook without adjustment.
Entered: 11:11
